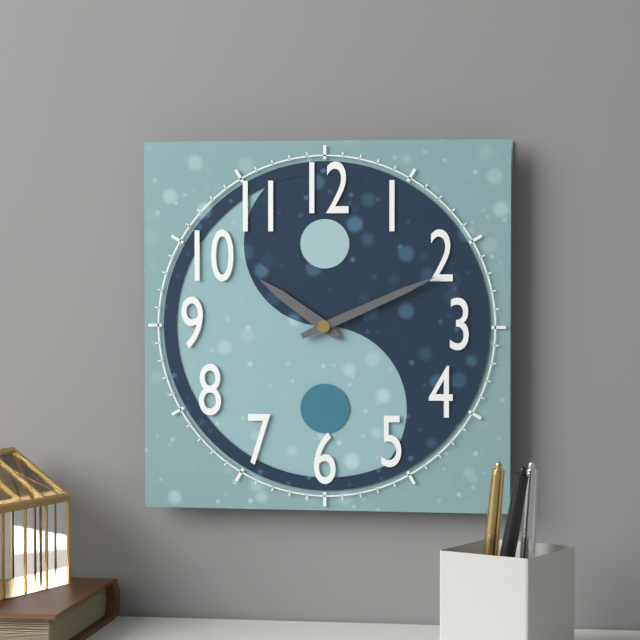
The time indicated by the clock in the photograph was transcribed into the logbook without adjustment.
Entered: 10:11
